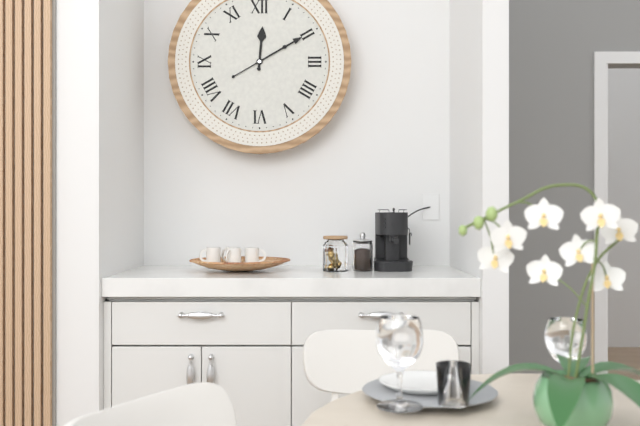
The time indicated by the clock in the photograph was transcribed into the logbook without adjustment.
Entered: 12:10
